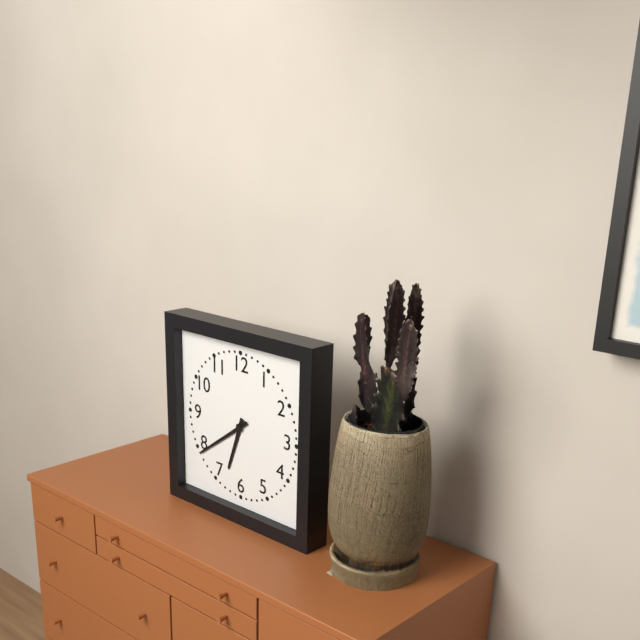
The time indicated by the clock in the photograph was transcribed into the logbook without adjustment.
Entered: 6:39
